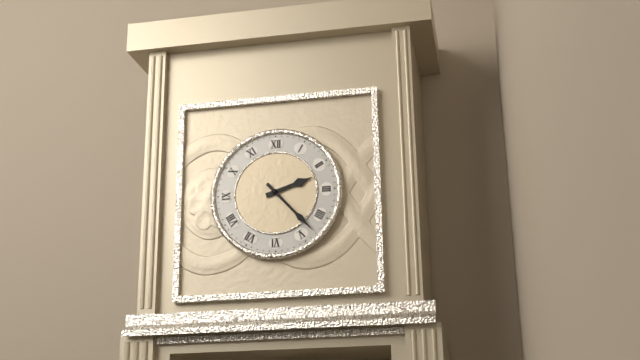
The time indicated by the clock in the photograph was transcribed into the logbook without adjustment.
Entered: 2:23
